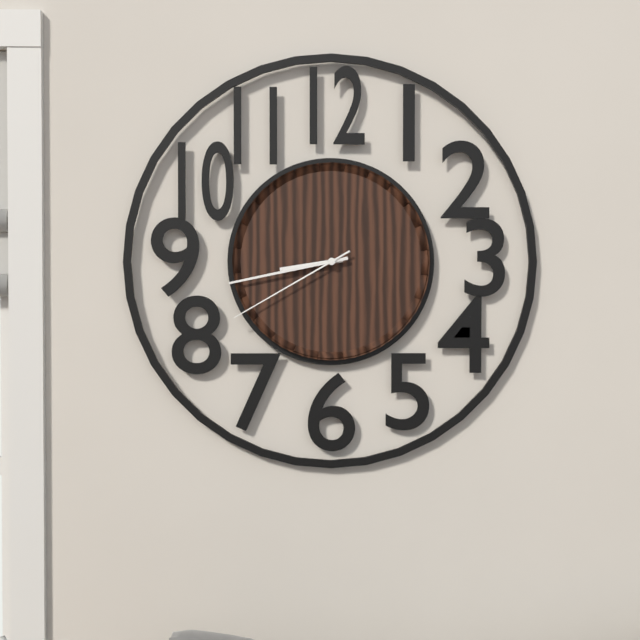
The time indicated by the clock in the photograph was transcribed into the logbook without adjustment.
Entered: 8:43:40
